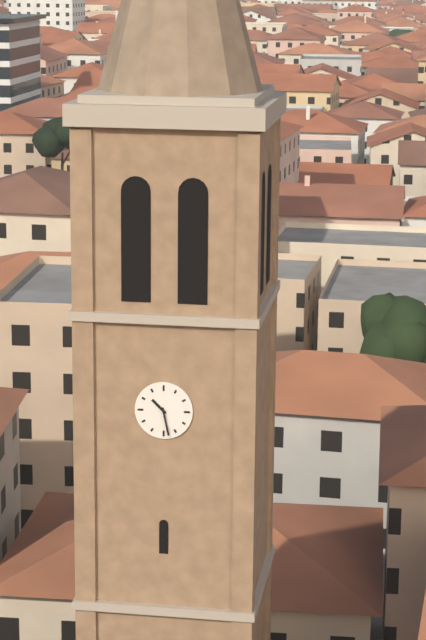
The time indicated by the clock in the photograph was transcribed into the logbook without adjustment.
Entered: 10:28
